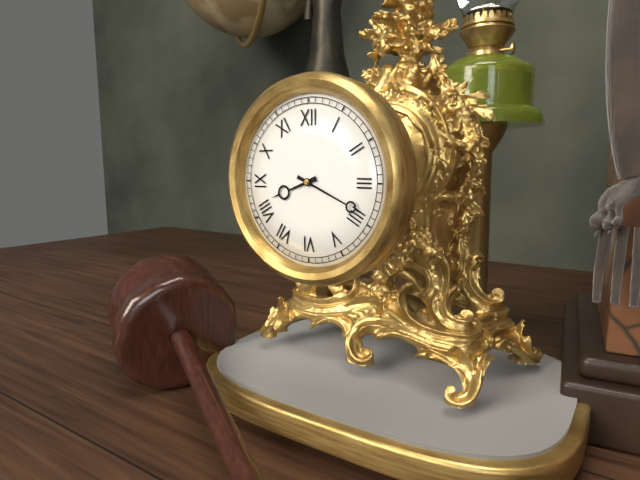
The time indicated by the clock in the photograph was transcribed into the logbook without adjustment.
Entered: 8:19
